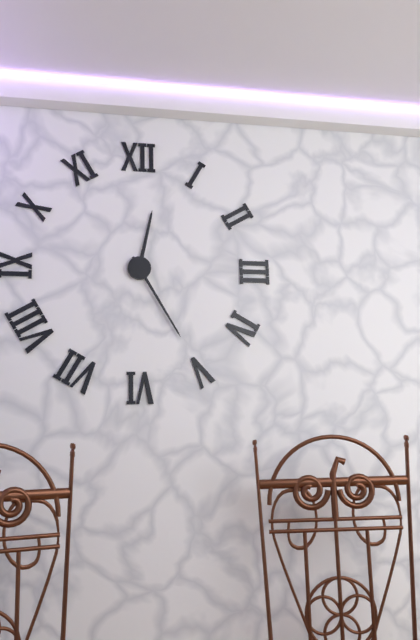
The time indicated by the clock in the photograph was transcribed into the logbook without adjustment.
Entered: 12:25
